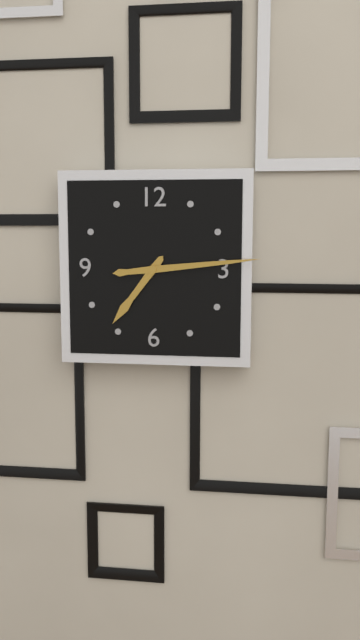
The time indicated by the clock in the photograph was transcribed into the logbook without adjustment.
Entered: 7:14
